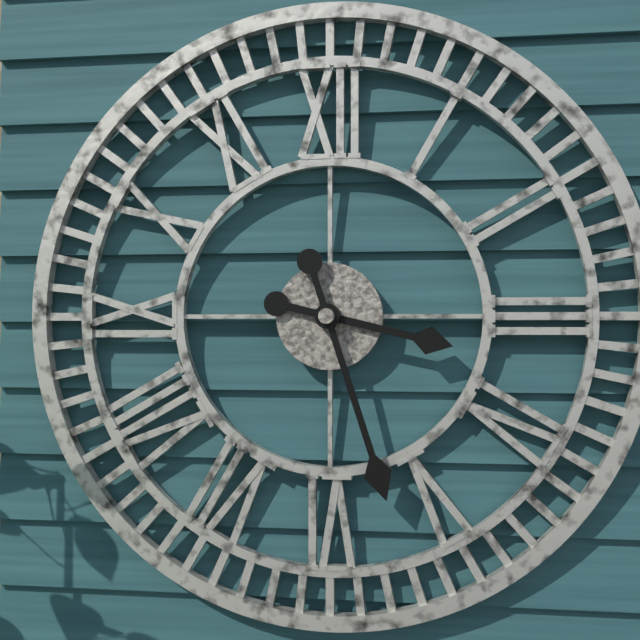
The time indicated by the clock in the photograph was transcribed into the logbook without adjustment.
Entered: 3:27
